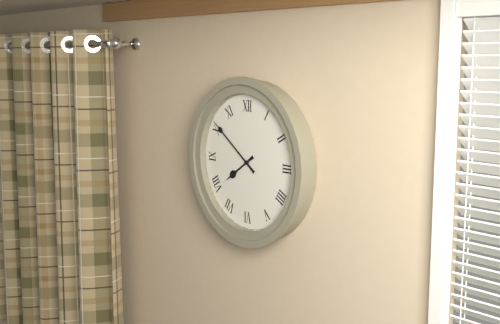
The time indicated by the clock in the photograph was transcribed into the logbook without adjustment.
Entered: 7:51
